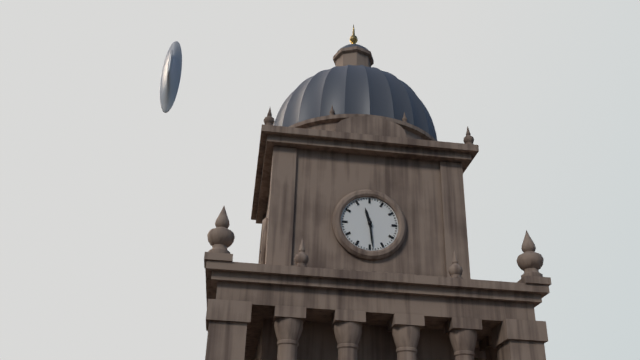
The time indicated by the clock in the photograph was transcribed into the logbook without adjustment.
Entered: 11:29
